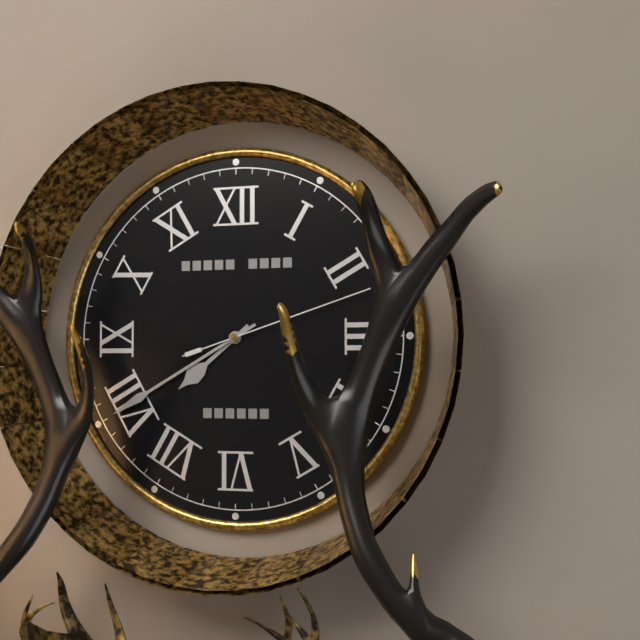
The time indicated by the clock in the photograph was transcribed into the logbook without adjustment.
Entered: 7:40:12
